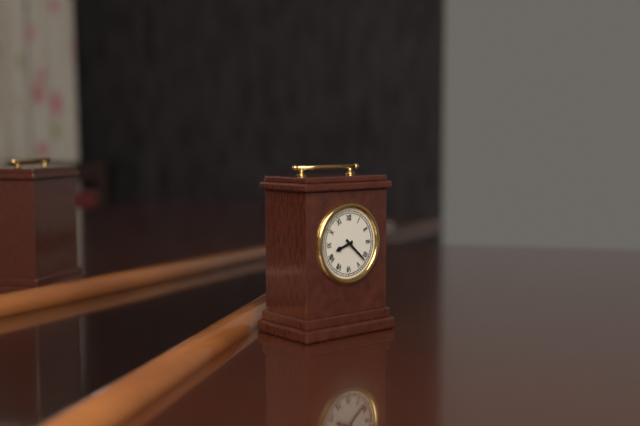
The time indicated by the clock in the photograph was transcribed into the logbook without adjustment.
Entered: 8:22
